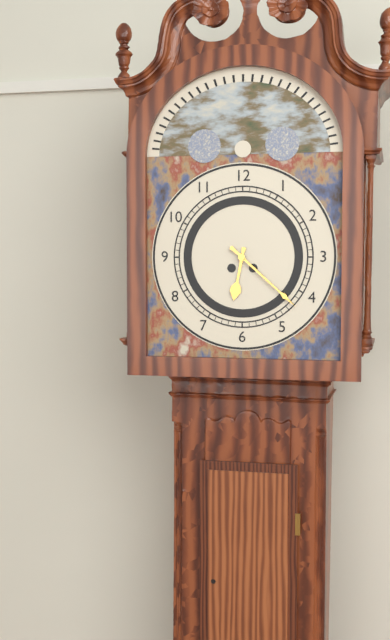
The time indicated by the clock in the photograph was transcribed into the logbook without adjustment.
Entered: 6:22
